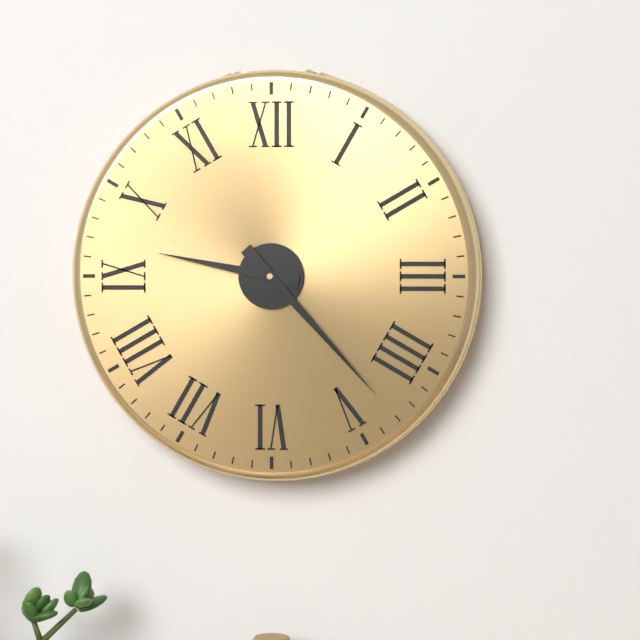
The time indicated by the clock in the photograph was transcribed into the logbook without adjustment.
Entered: 9:23
